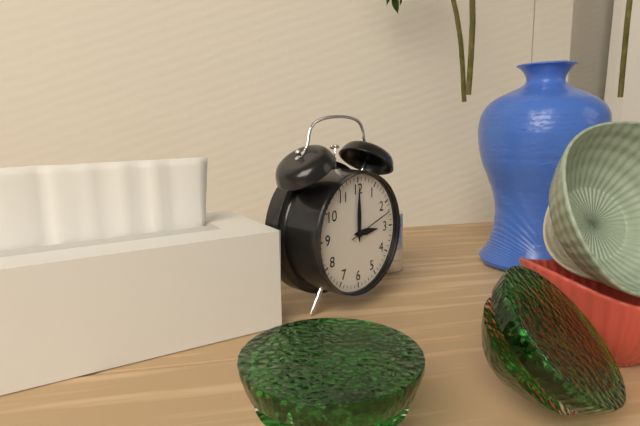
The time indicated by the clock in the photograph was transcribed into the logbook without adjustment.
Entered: 3:00
